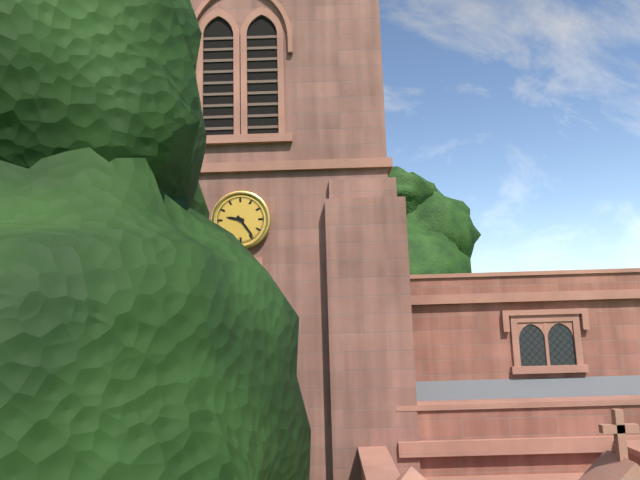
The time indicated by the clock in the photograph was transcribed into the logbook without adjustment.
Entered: 9:24
